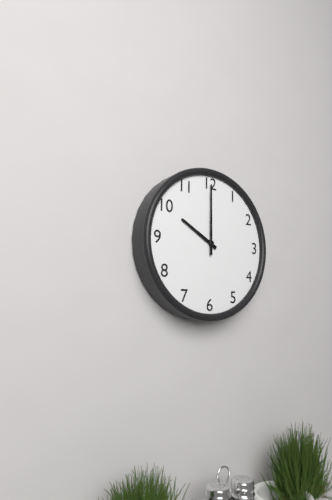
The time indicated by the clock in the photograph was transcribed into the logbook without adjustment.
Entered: 10:00
